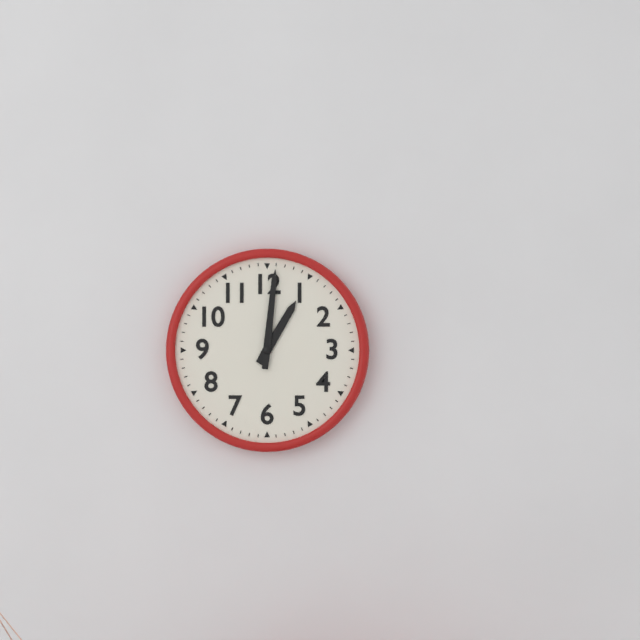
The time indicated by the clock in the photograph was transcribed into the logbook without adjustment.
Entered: 1:01
